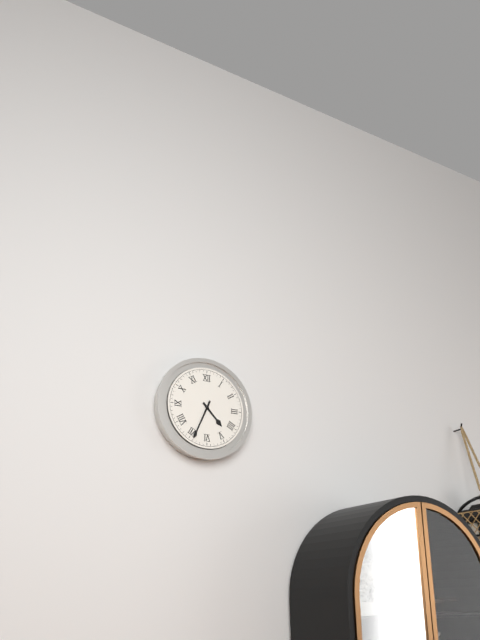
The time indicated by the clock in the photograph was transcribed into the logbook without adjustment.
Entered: 4:34
